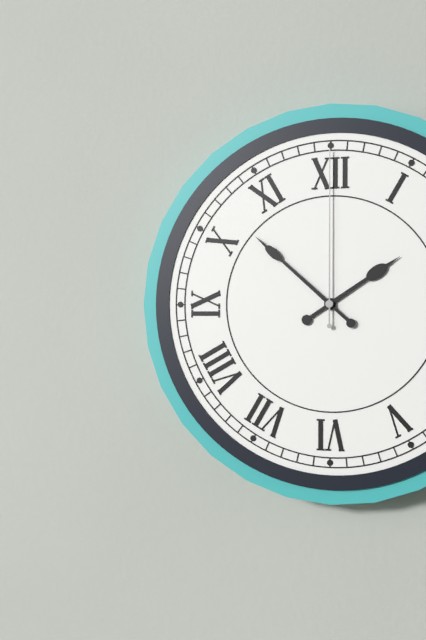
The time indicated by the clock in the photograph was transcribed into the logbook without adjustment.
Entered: 1:52:00
